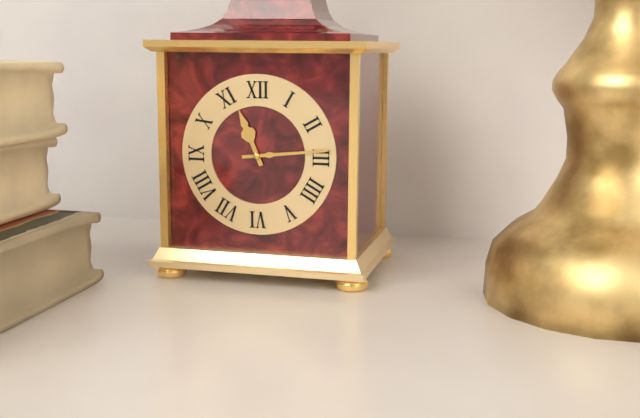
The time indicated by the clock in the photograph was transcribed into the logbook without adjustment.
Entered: 11:14
